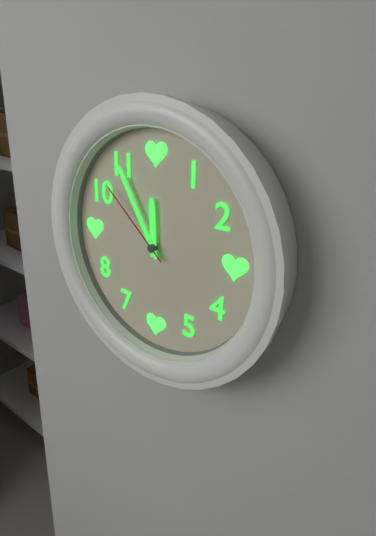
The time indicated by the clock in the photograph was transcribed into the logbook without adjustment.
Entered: 11:55:52
